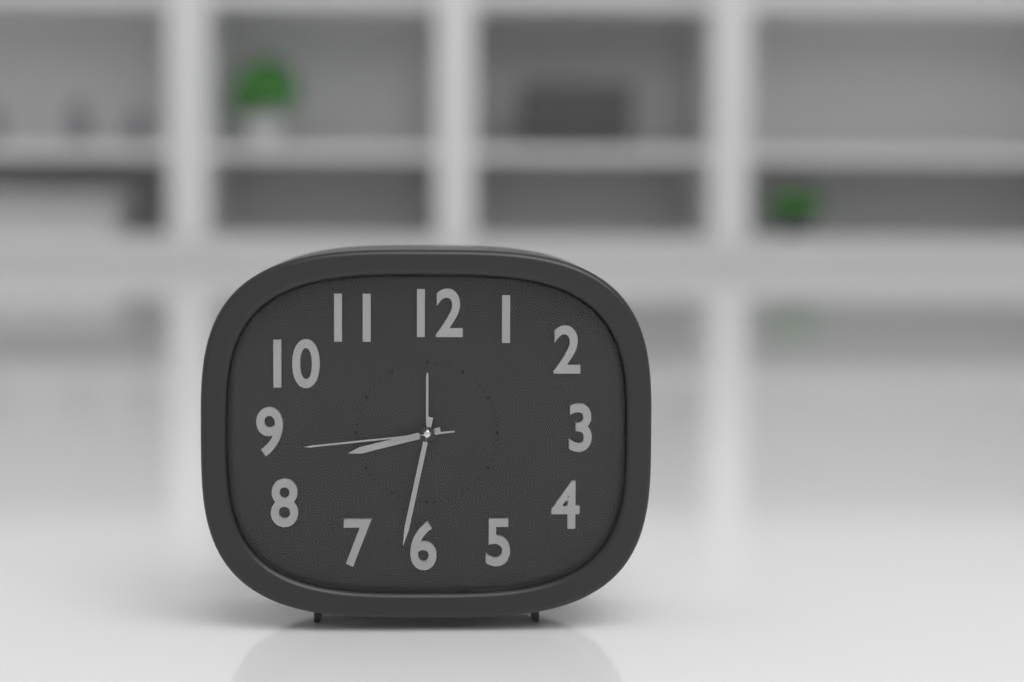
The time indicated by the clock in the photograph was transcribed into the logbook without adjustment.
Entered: 8:32:44
